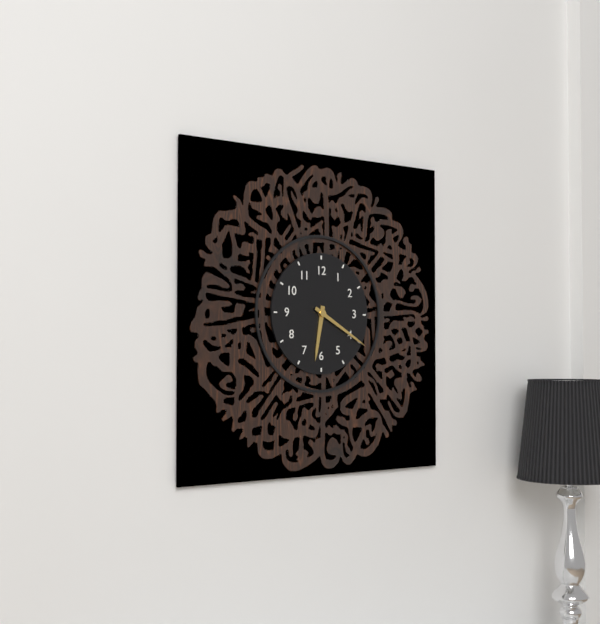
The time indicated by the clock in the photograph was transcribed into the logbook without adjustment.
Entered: 6:20
